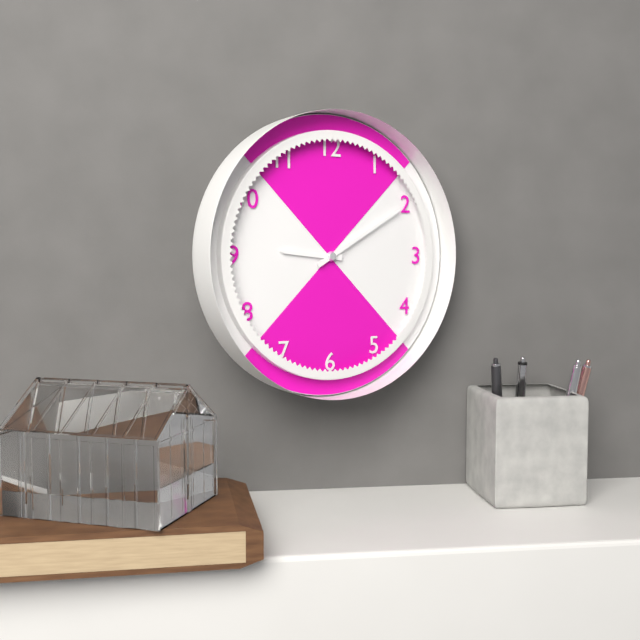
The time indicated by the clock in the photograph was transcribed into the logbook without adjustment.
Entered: 9:10
